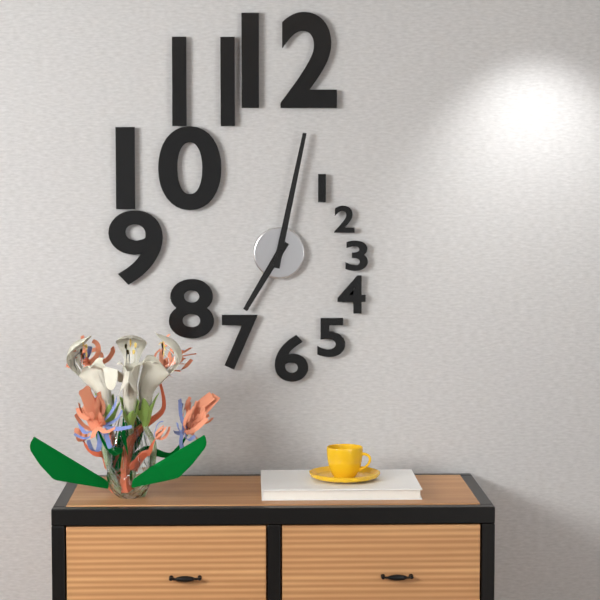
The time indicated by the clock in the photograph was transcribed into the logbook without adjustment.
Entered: 7:02
